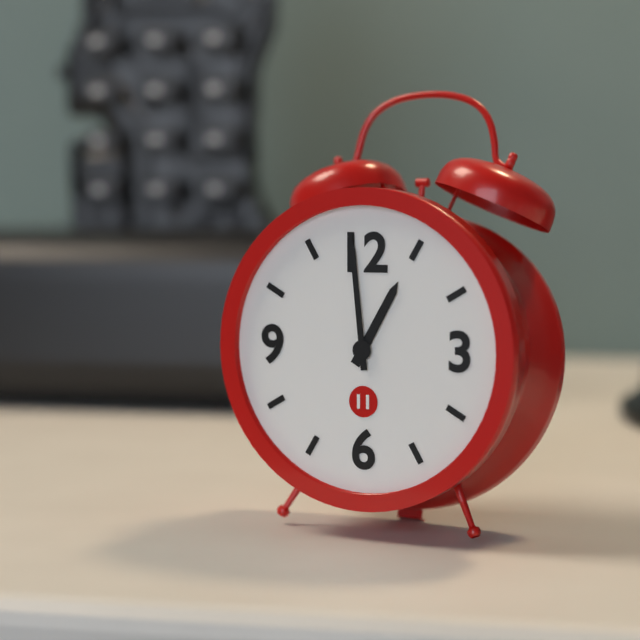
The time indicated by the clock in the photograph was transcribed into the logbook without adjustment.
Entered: 12:59
